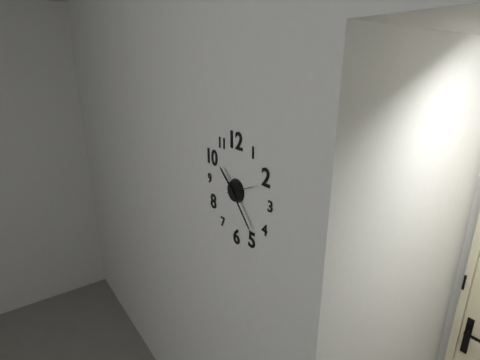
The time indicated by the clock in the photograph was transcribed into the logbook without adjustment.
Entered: 10:23
